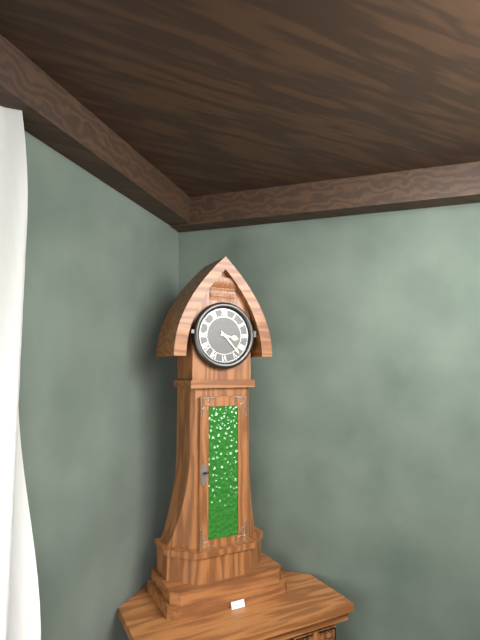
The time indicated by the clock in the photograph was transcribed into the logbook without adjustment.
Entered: 3:23
